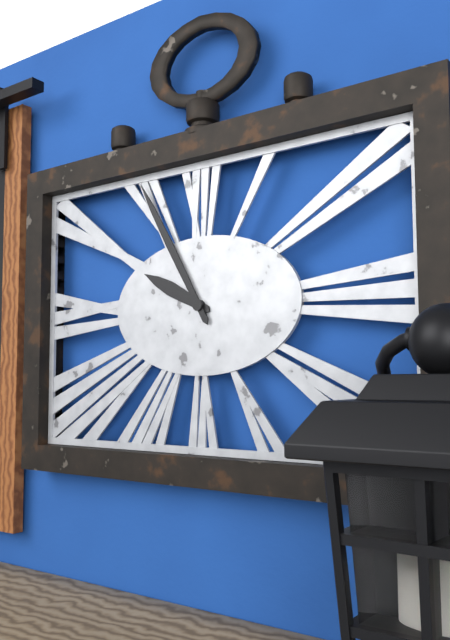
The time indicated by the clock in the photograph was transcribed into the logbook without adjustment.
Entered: 9:55
